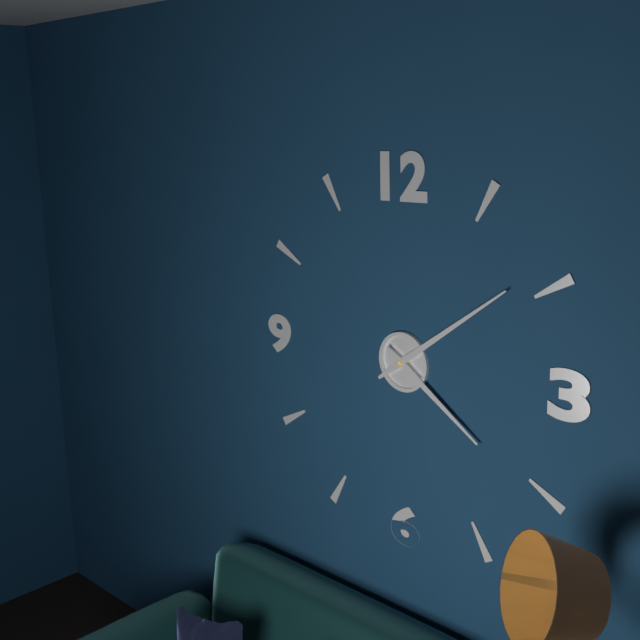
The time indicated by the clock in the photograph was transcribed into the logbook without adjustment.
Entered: 4:09
